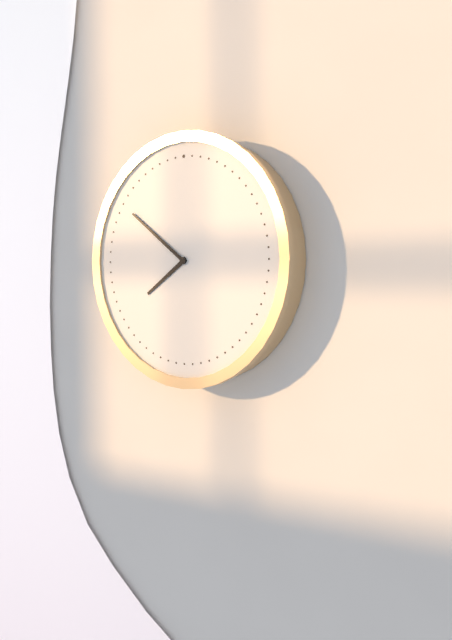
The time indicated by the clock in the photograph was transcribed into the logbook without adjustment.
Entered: 7:51
